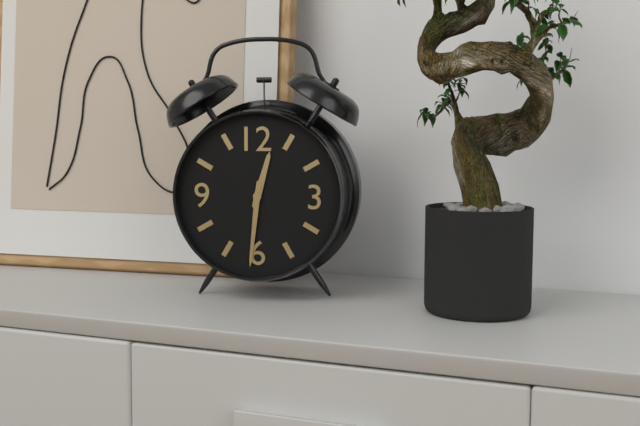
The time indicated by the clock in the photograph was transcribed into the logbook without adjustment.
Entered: 12:31
